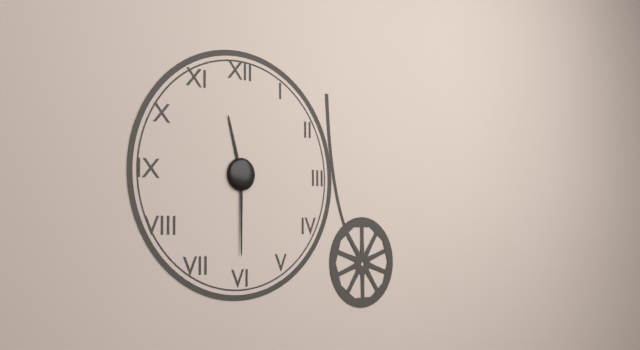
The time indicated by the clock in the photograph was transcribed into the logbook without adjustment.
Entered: 11:30
